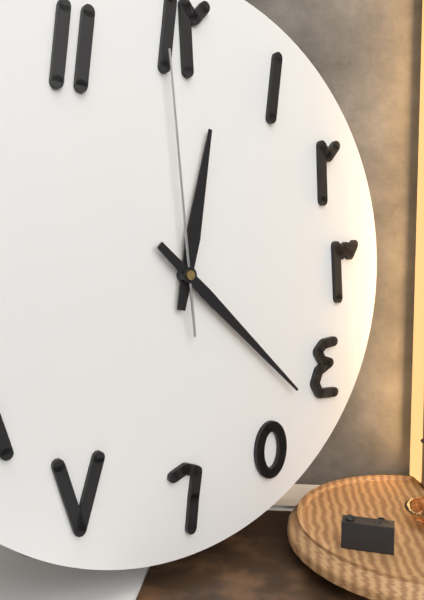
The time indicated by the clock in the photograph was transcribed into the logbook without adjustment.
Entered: 12:22:59
